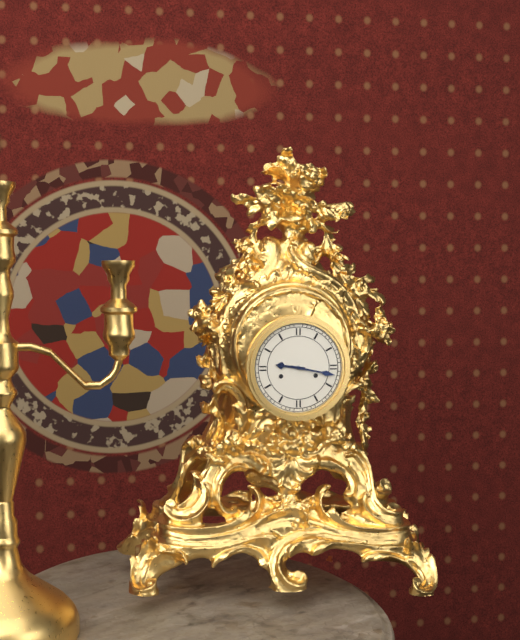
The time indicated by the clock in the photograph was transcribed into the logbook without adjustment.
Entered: 9:17
